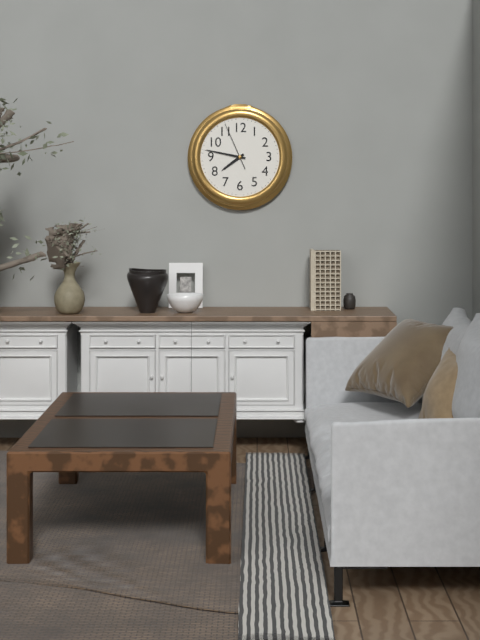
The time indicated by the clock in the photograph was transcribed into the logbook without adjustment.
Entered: 7:47
